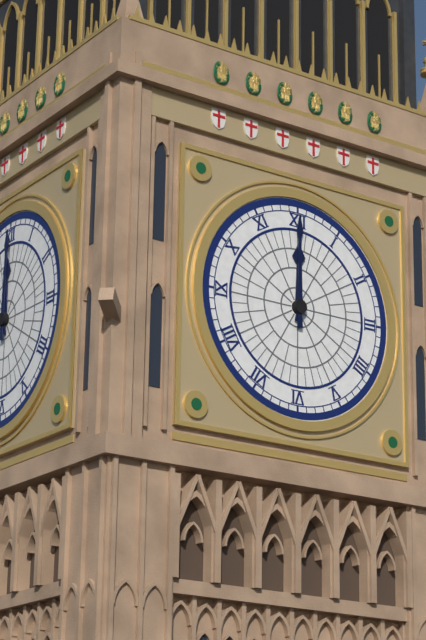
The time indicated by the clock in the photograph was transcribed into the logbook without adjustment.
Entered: 12:00
